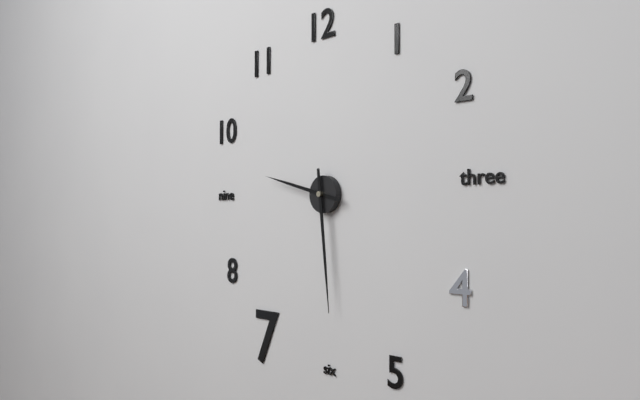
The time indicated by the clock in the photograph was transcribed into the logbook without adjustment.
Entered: 9:29
